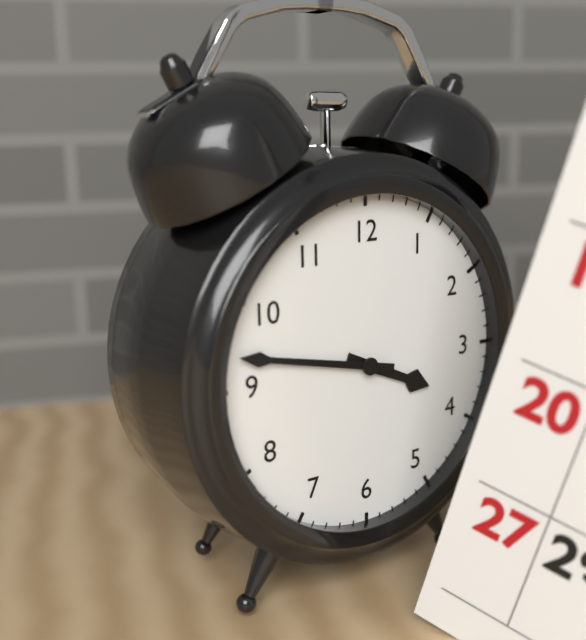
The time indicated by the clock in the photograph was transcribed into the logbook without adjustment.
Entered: 3:47
